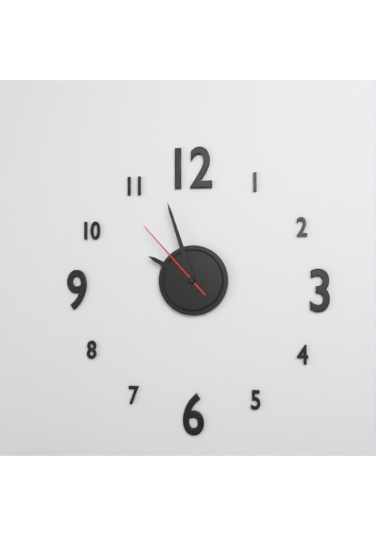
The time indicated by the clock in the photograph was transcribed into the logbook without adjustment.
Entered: 9:57:53
